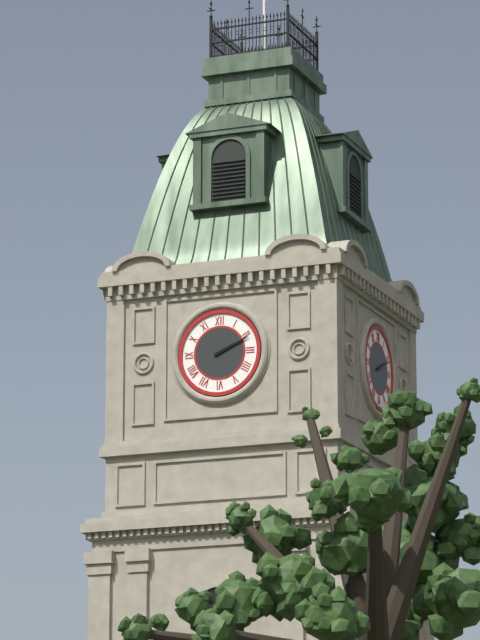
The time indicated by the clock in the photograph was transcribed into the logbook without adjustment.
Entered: 2:11
